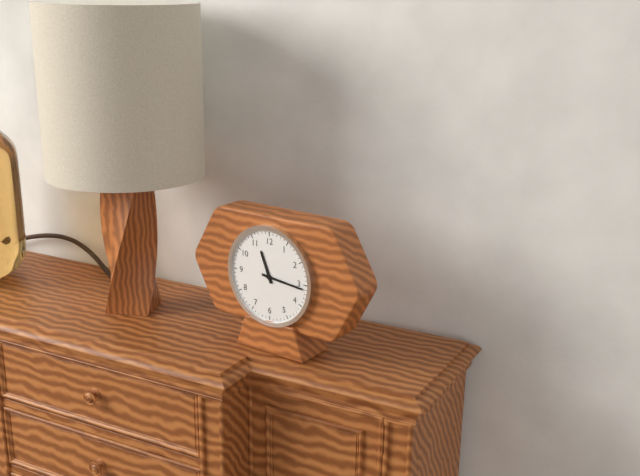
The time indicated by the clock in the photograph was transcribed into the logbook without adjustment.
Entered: 11:16
